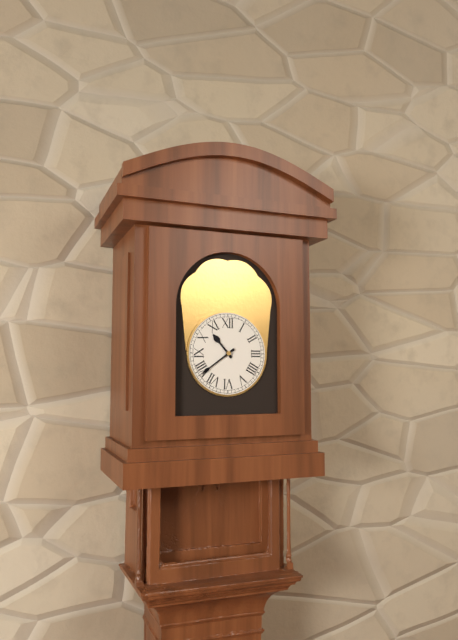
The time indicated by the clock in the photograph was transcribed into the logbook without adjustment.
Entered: 10:39
